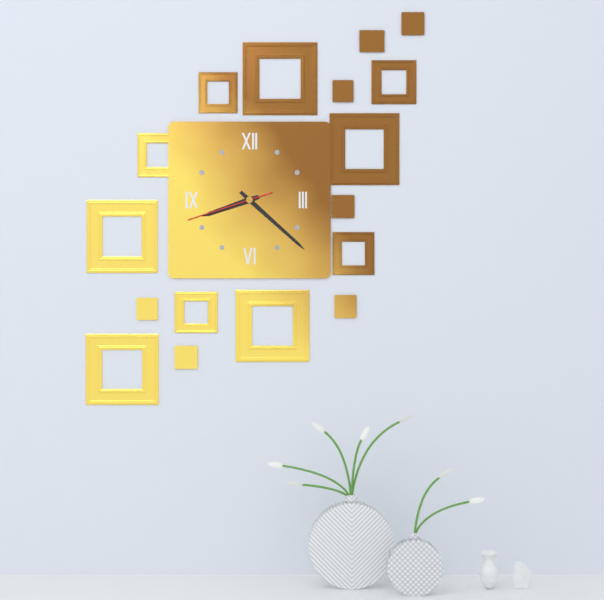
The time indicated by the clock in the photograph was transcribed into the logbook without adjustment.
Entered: 8:22:42
